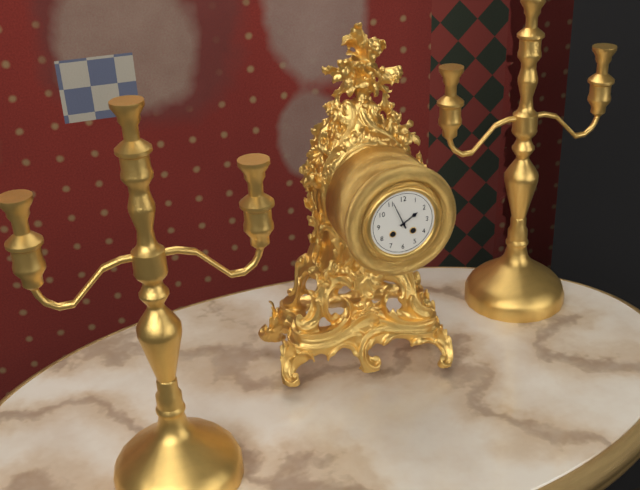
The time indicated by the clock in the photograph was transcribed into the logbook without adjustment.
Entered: 1:56
